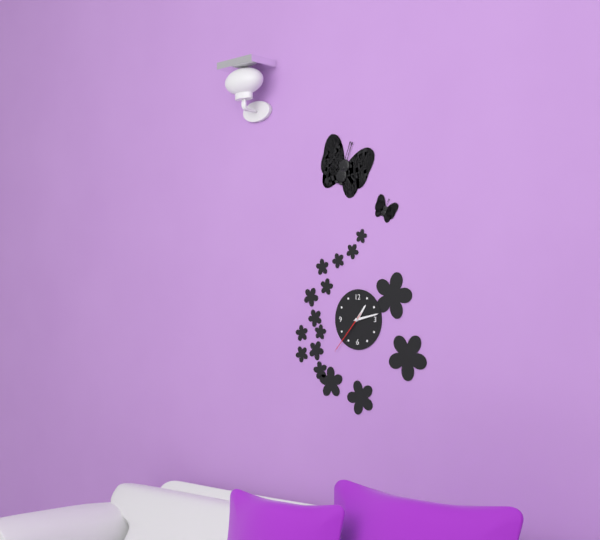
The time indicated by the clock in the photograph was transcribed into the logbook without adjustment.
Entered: 1:13
